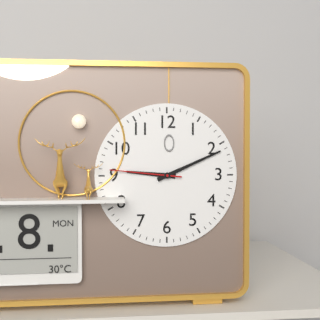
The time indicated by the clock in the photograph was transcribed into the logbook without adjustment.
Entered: 9:11:46
